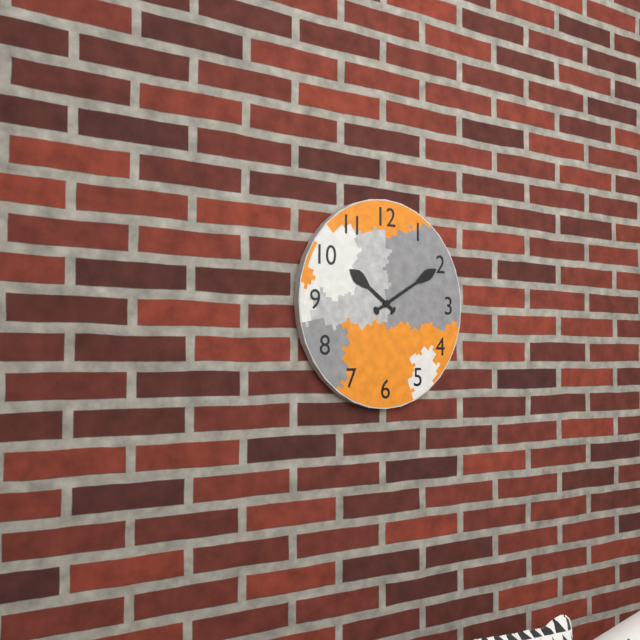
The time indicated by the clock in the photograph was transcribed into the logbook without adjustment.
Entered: 10:10
